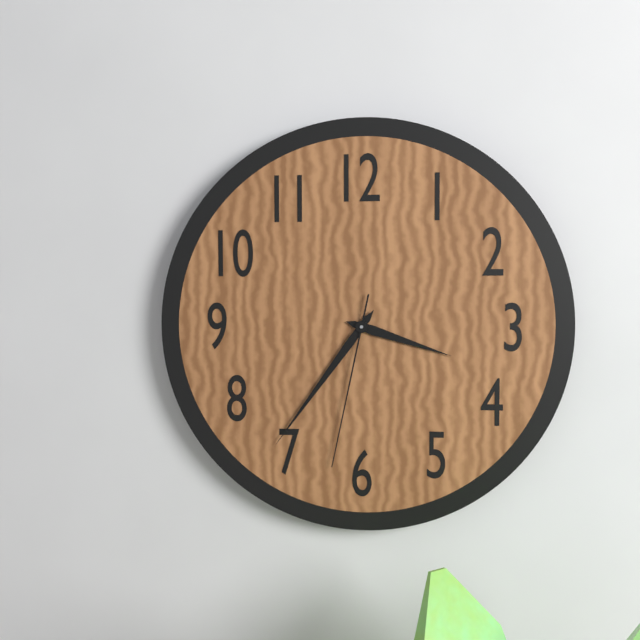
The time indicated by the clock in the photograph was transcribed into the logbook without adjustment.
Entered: 3:36:32
